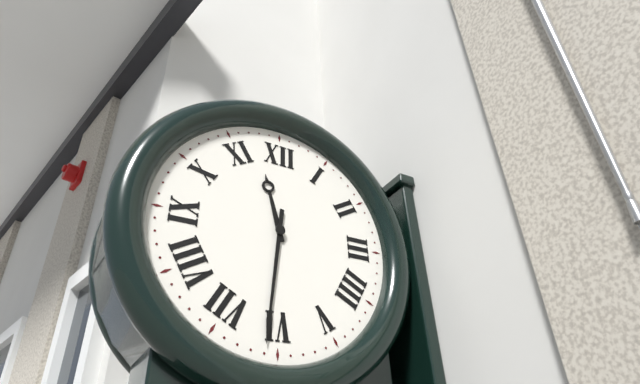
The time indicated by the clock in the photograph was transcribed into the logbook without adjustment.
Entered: 11:31
